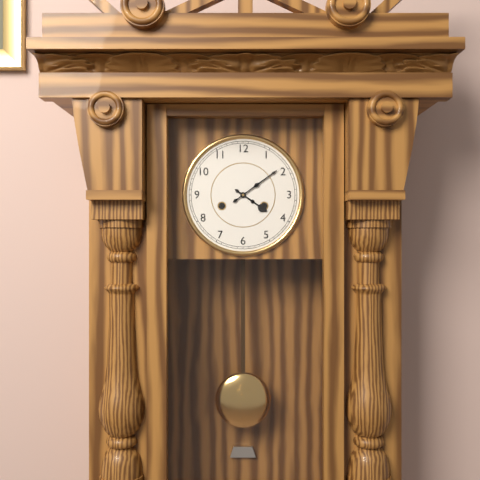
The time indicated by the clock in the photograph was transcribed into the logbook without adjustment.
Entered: 4:09
